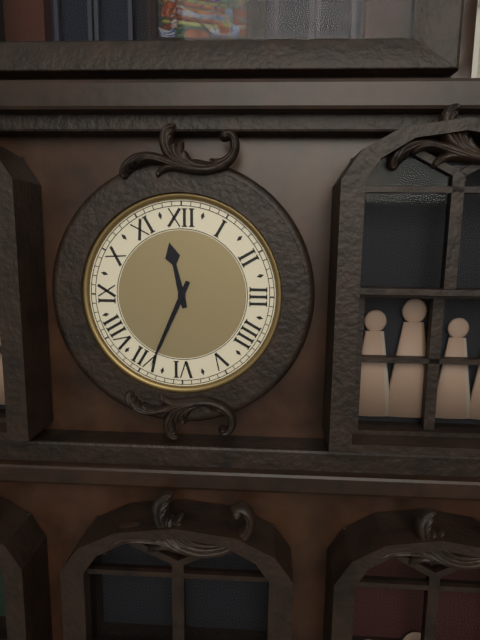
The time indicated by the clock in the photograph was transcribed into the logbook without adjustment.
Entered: 11:34
